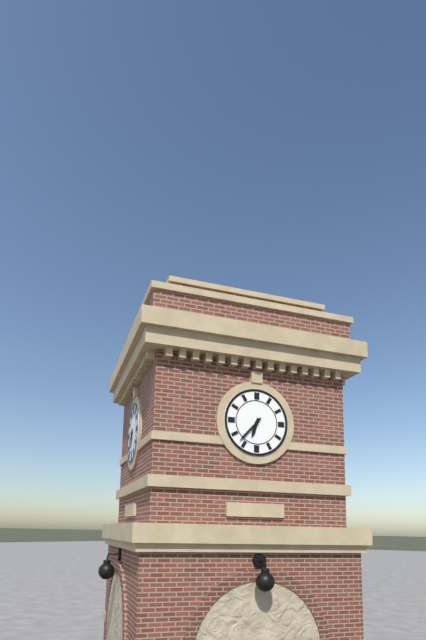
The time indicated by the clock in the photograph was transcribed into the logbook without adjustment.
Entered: 6:37
